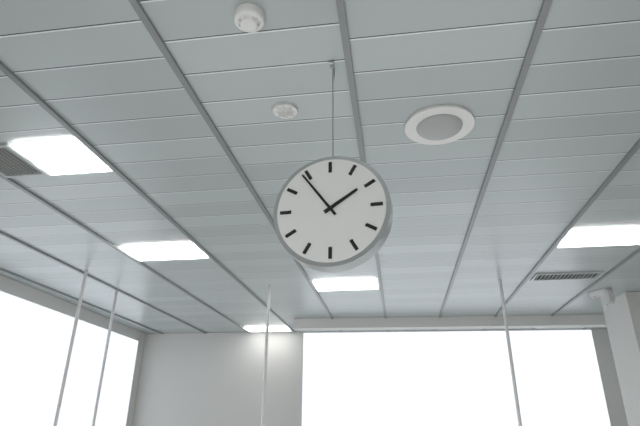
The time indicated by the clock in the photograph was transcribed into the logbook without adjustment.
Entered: 1:54
